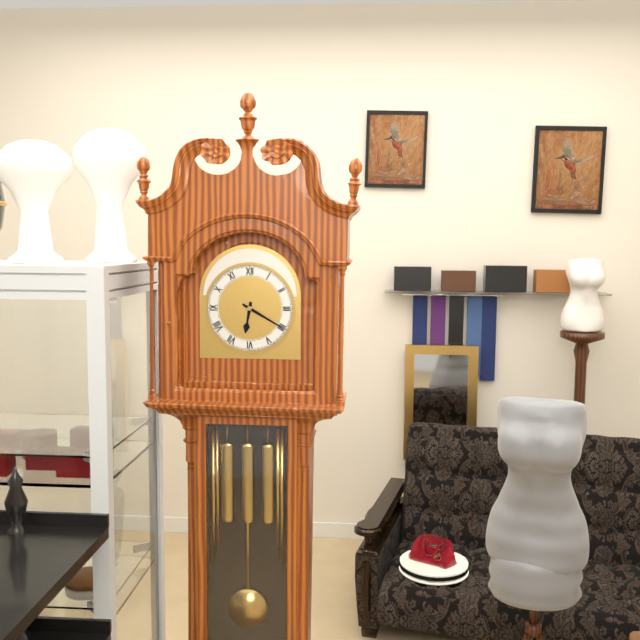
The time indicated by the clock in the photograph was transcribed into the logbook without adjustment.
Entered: 6:20
